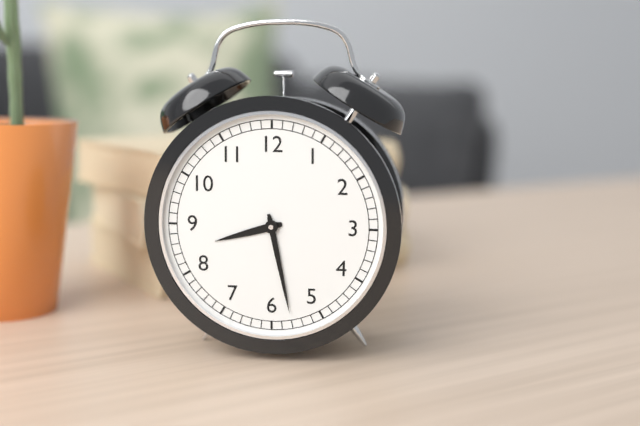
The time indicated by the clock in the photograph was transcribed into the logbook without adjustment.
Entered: 8:28
